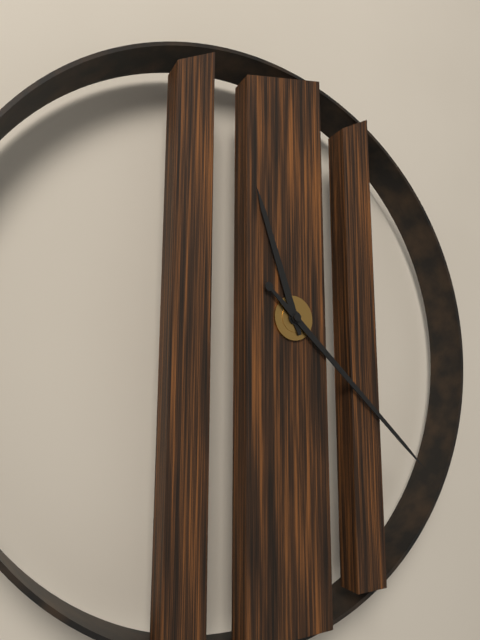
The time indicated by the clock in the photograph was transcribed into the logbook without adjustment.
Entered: 11:22
